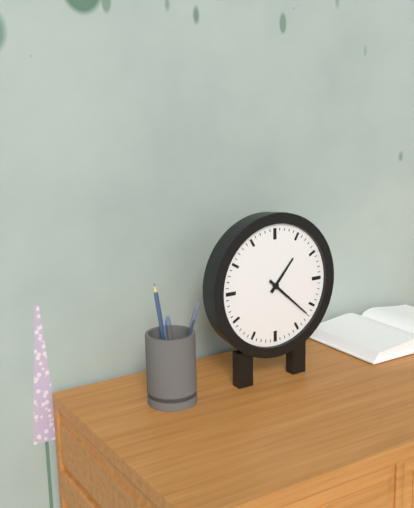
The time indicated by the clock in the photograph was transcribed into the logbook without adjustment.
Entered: 1:22
